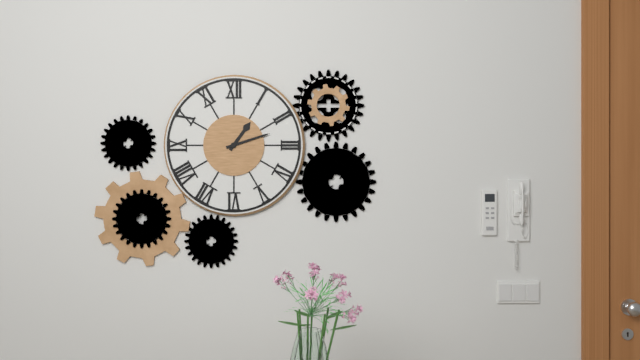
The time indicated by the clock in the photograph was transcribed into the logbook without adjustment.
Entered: 1:12
